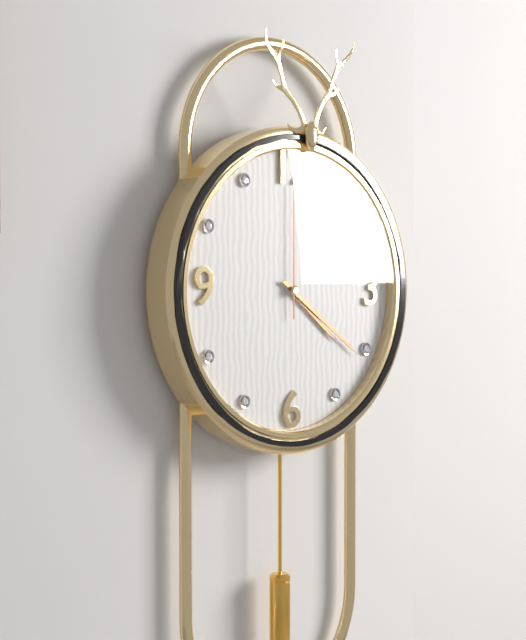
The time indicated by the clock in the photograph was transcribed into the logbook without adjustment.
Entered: 4:21:00
